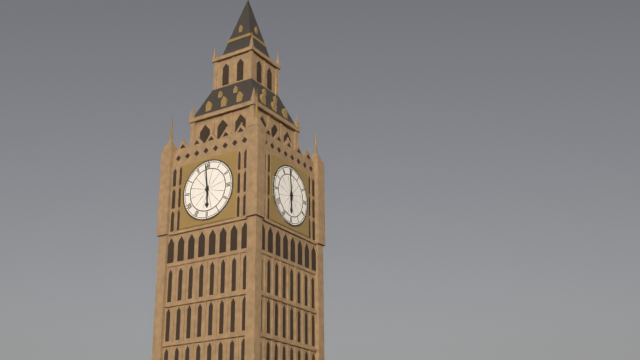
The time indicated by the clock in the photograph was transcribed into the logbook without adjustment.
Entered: 5:59
